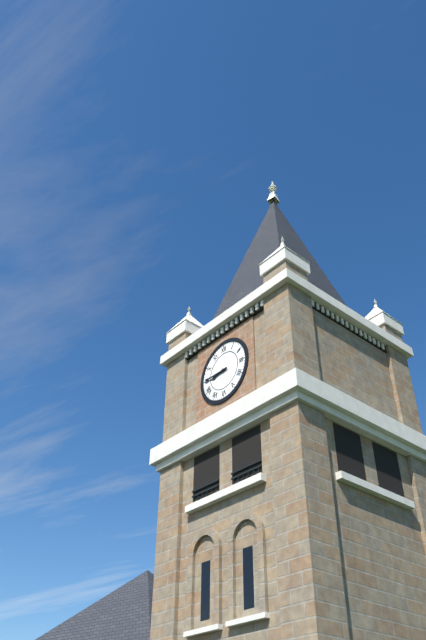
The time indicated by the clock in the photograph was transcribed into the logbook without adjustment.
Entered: 8:45
